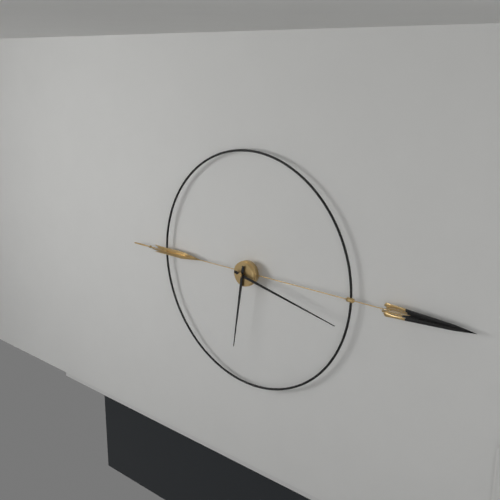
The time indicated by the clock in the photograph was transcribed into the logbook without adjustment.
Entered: 6:17
